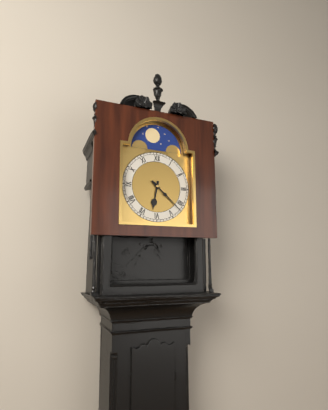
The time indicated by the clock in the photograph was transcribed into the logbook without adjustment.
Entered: 6:22
